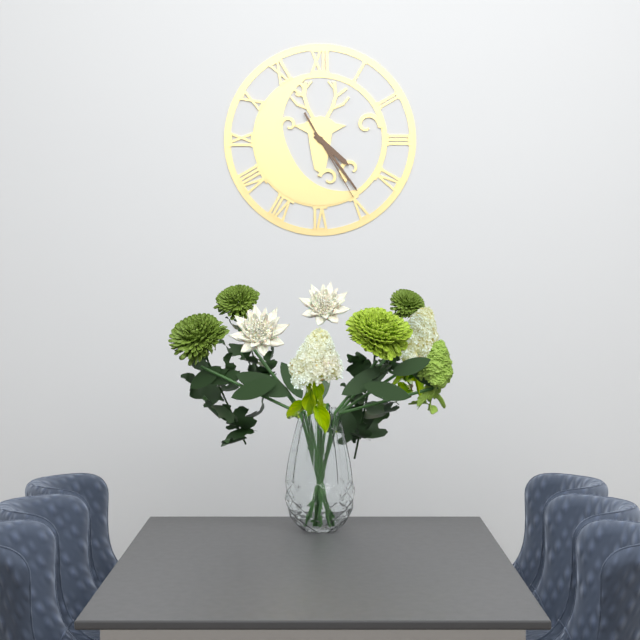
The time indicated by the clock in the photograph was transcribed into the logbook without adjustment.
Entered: 4:24:25
